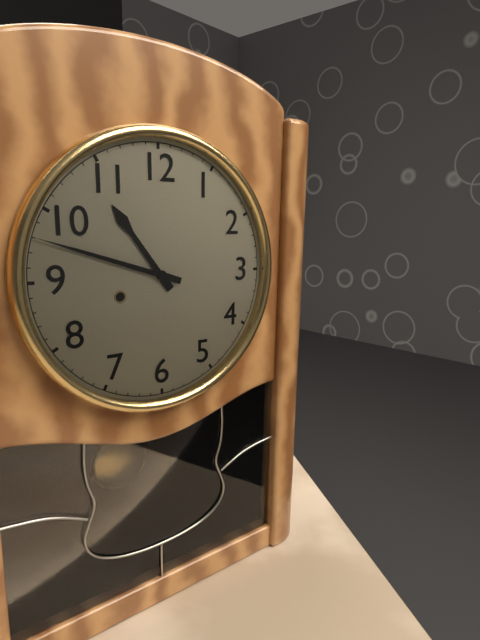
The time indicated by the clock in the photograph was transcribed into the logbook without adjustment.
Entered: 10:48
